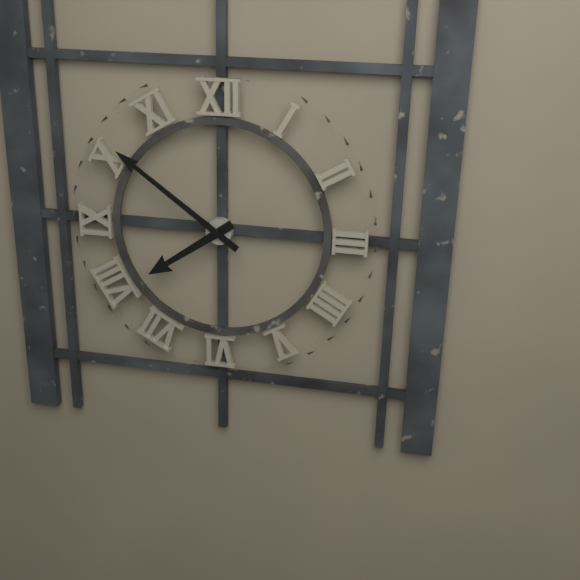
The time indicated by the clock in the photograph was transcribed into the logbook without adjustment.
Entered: 7:51
